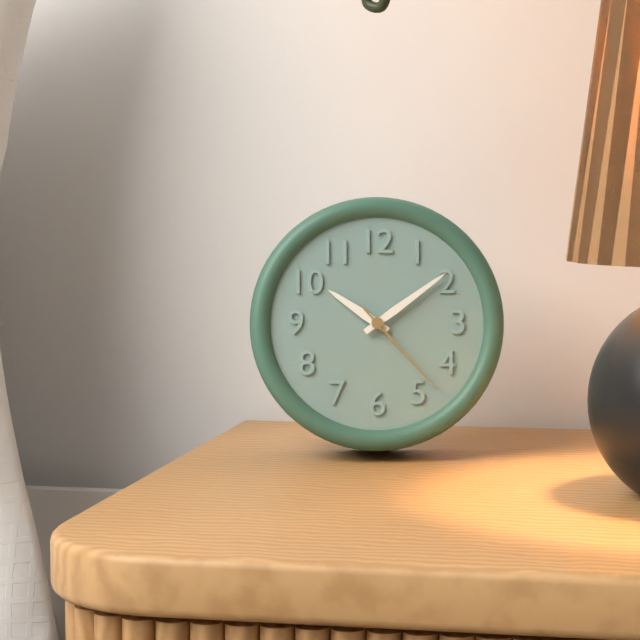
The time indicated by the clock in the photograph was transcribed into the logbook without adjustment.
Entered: 10:09:23
